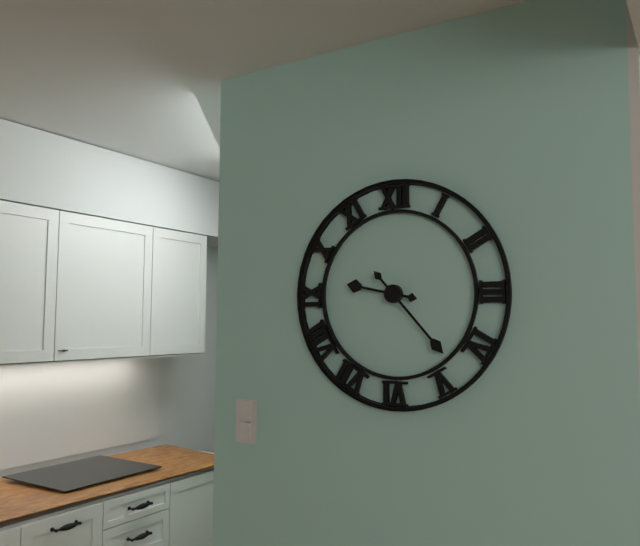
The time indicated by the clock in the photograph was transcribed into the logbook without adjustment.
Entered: 9:23
